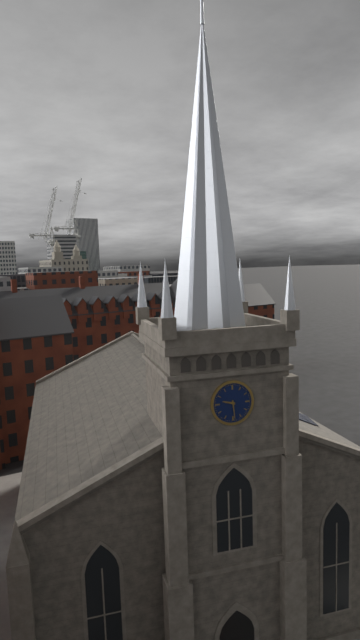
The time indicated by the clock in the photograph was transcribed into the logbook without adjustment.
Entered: 9:29
